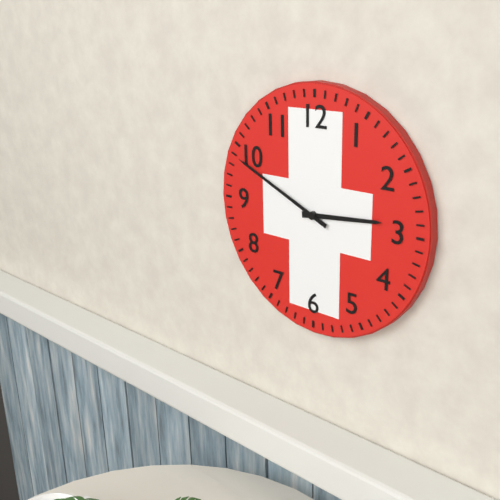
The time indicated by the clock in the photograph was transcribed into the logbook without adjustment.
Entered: 2:49
